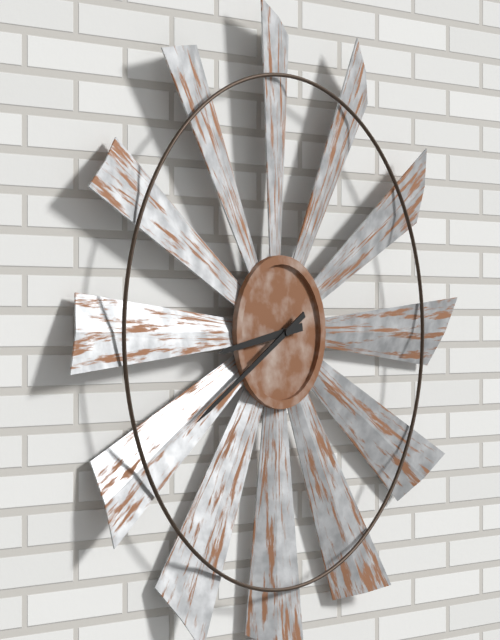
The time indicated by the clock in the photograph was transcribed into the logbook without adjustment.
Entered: 8:40
